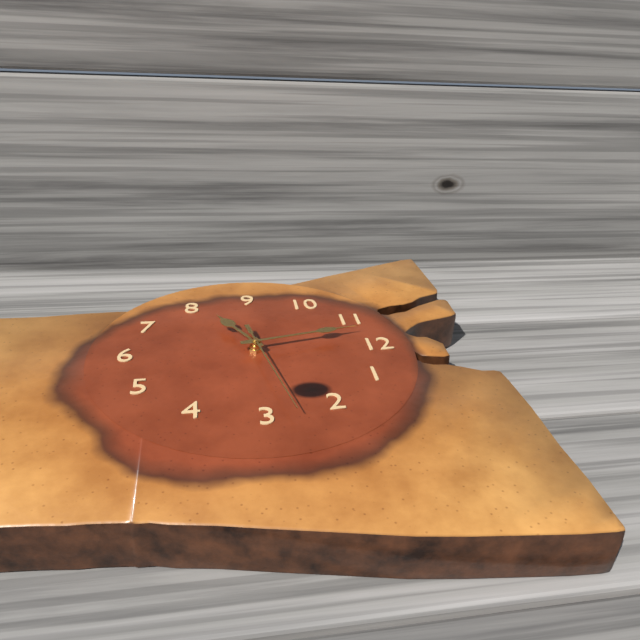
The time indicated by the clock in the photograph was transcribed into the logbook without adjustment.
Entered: 7:58:13
